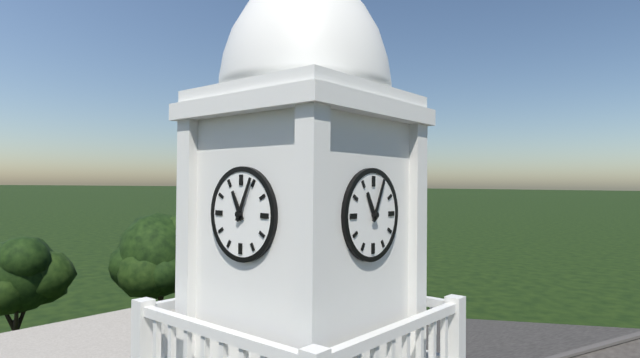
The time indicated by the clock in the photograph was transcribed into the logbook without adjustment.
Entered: 11:04
